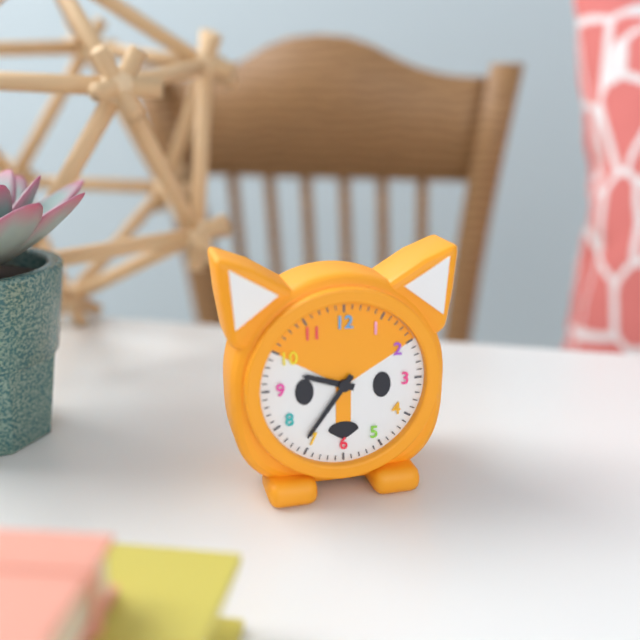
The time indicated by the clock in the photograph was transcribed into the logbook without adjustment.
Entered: 9:36
